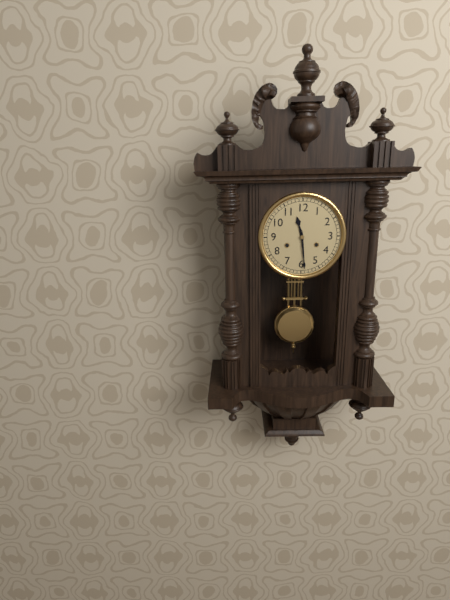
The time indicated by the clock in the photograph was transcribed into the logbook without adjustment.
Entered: 11:29
